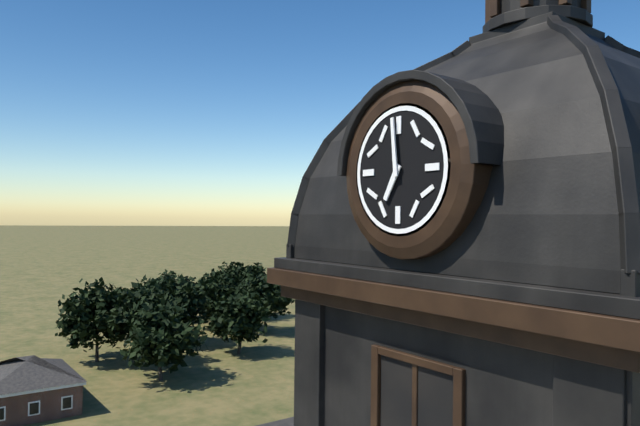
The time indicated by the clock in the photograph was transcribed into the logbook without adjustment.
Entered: 6:59
